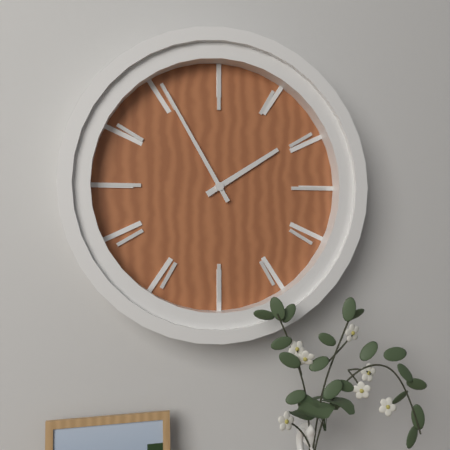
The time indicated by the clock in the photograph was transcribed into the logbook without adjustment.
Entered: 1:55
